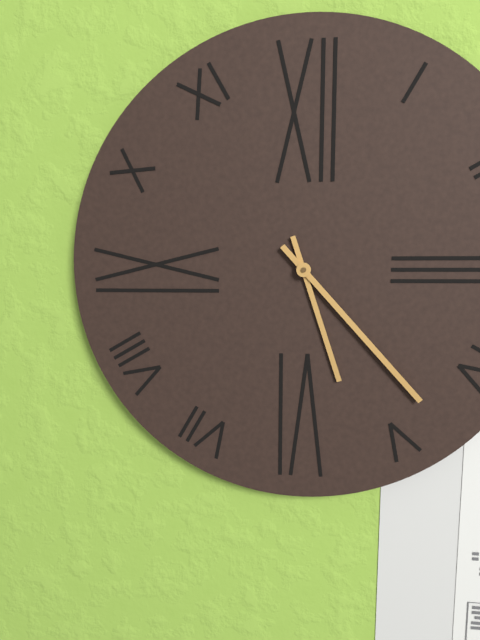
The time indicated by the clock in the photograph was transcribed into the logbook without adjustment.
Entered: 5:23
